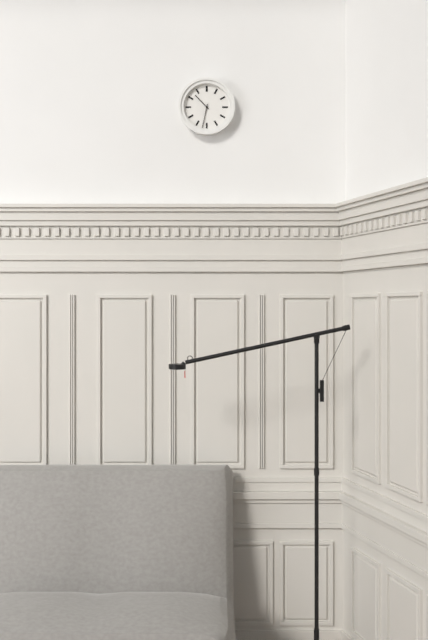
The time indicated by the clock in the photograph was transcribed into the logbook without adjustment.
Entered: 10:32
